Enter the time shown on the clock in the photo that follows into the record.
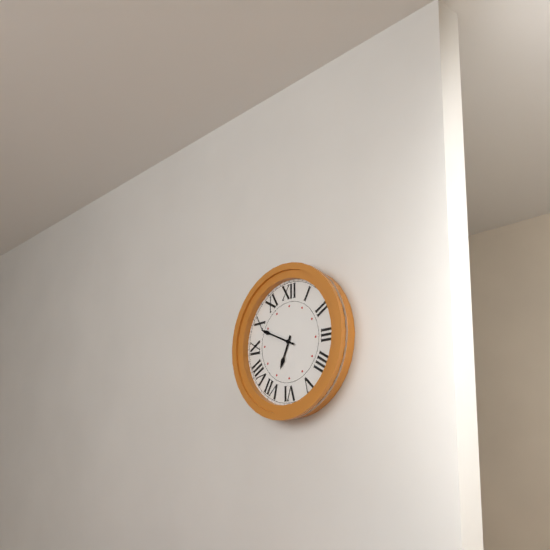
6:49
